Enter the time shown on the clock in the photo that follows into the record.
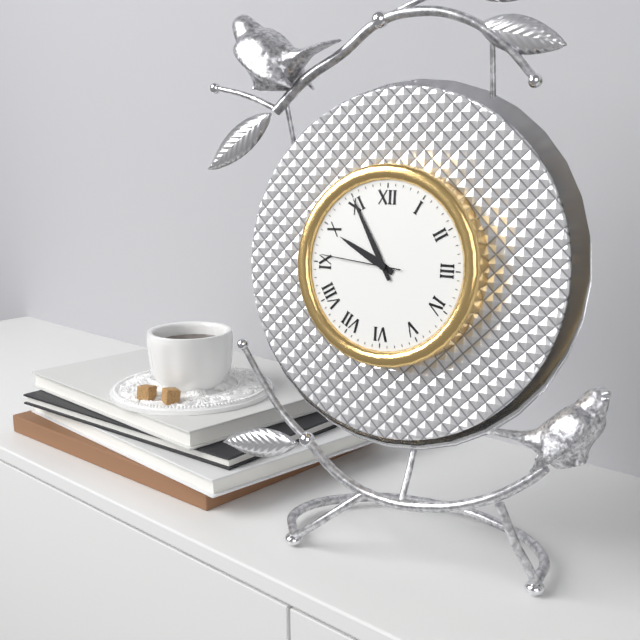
9:55:46
